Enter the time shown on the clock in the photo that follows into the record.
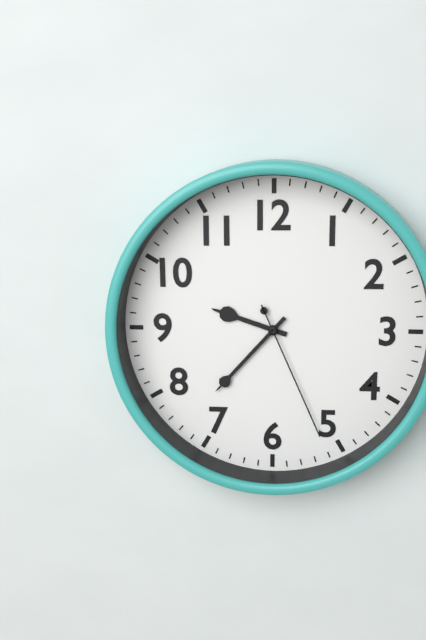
9:37:26
